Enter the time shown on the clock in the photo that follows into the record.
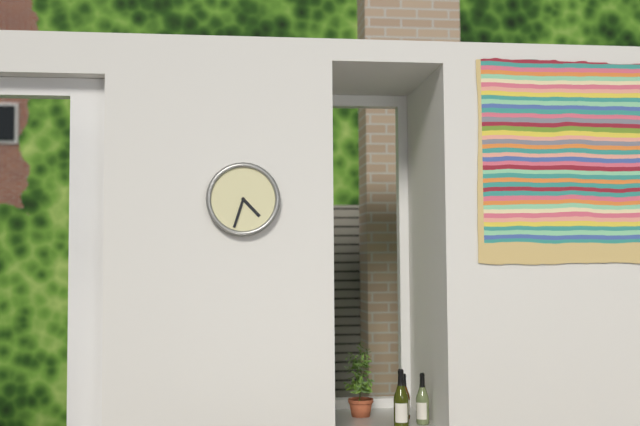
4:33
